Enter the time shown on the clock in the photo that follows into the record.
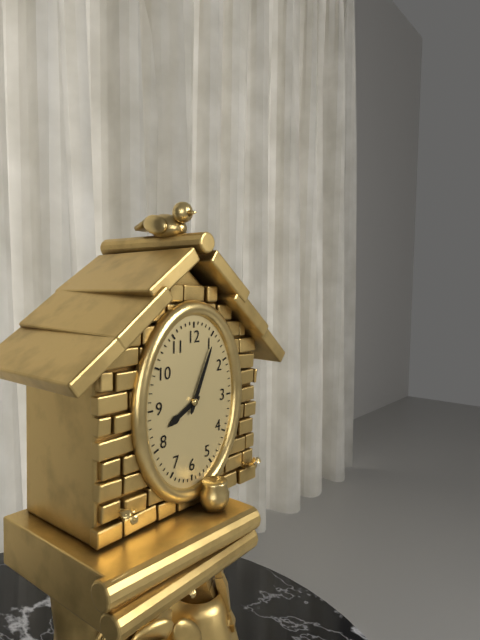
8:04
